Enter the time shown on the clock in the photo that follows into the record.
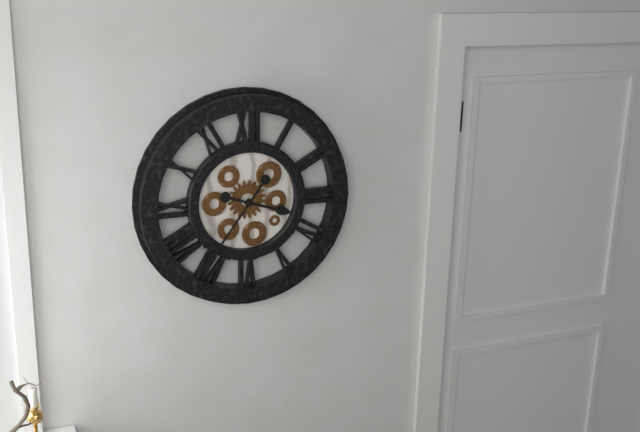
3:36
